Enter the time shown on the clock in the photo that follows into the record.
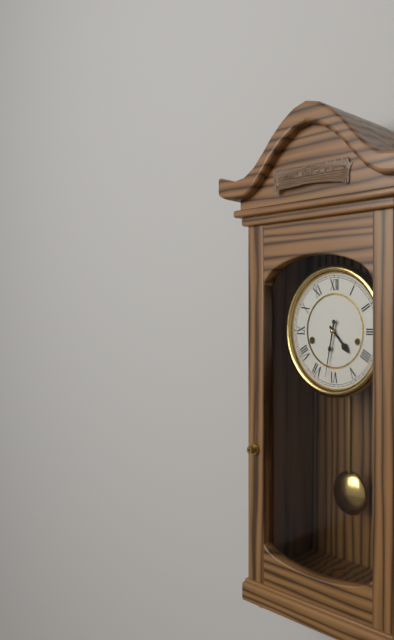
4:32
